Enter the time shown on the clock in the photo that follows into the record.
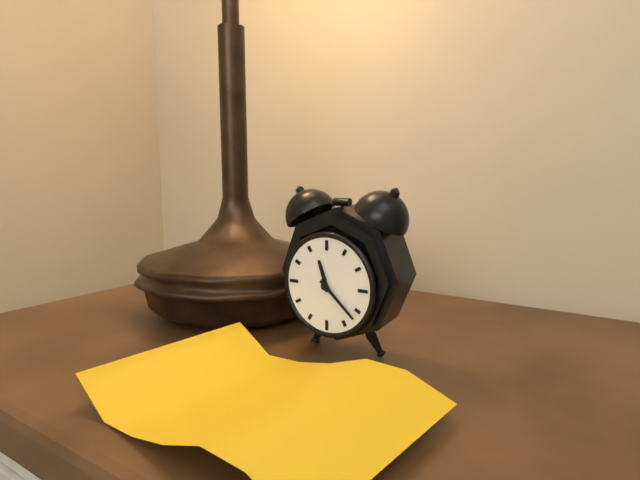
11:22
